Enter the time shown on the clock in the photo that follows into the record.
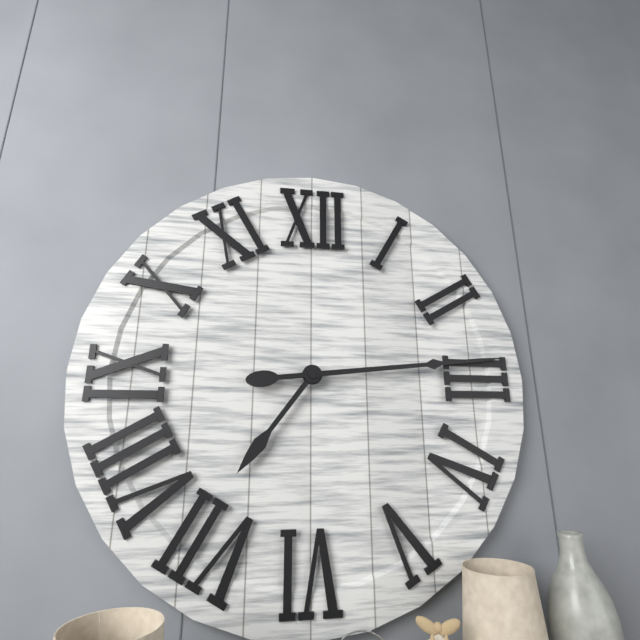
7:14
